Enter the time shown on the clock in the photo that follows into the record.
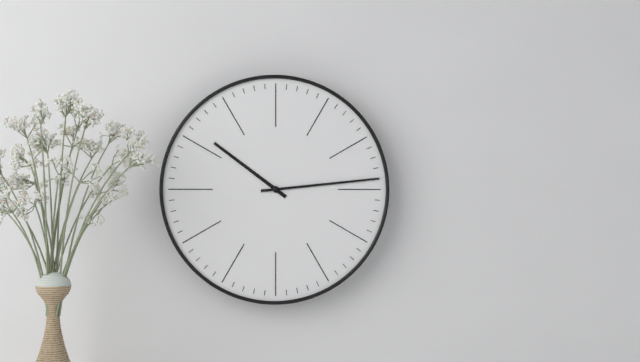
10:14
